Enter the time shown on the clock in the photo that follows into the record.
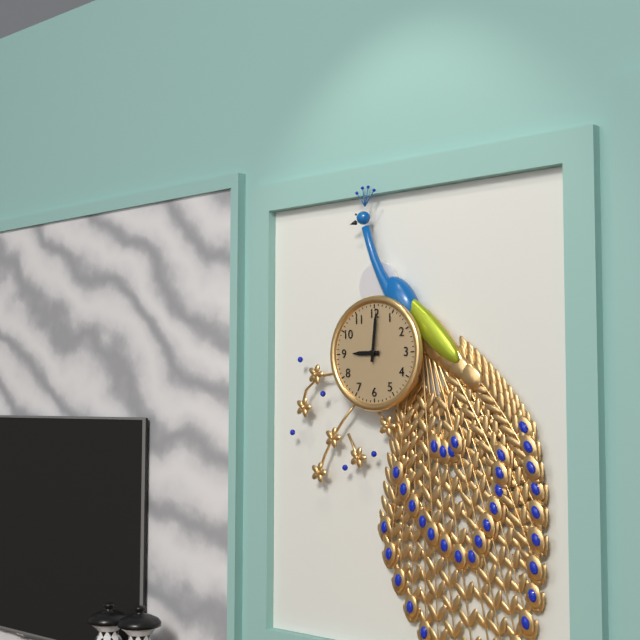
9:01
